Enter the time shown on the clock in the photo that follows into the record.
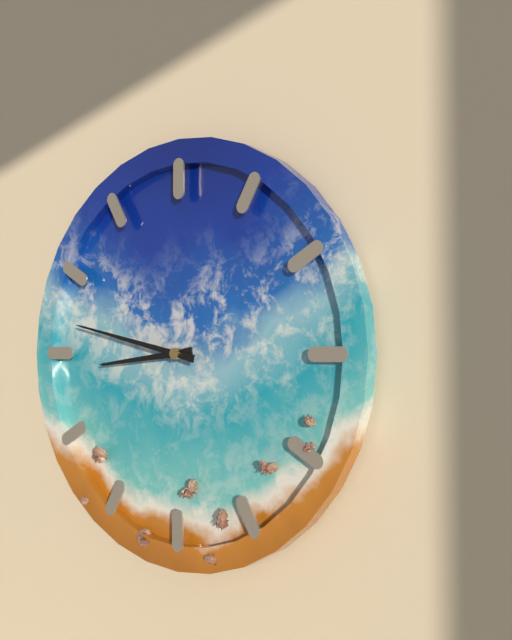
8:47
